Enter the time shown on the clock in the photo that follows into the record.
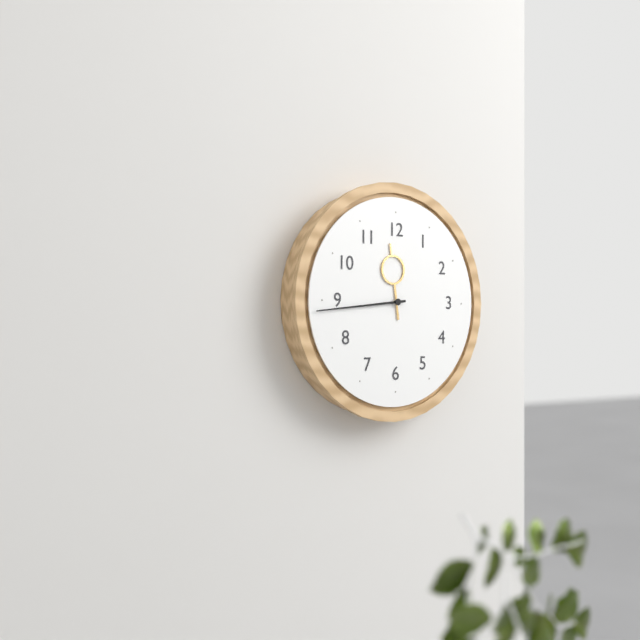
11:44
